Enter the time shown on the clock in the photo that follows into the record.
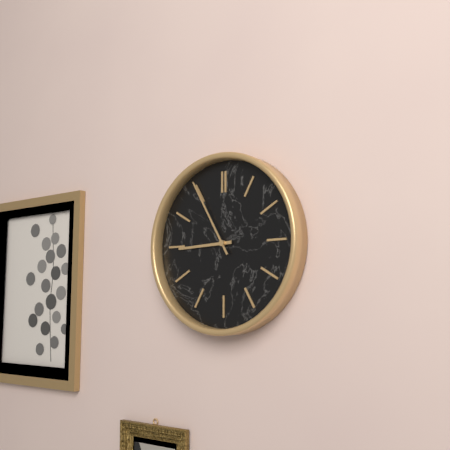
8:55
